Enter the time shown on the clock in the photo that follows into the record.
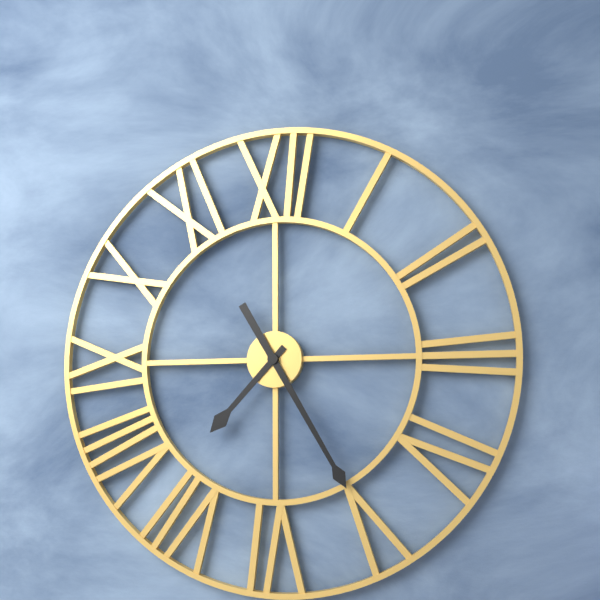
7:25
